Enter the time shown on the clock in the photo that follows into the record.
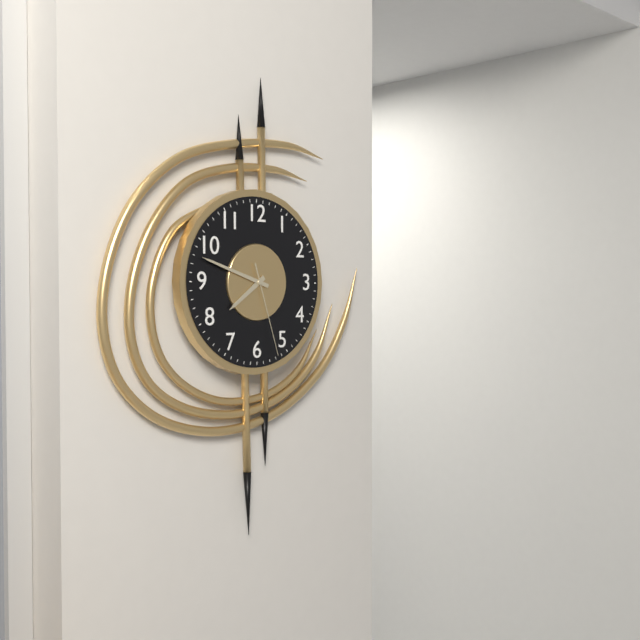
7:48:27
